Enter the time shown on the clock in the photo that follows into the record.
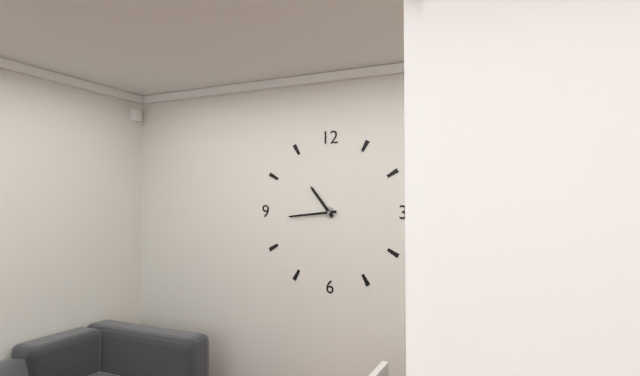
10:44
